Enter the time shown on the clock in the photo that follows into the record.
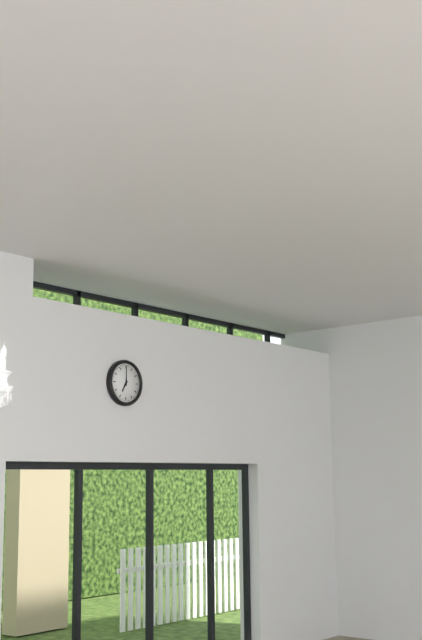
7:00
